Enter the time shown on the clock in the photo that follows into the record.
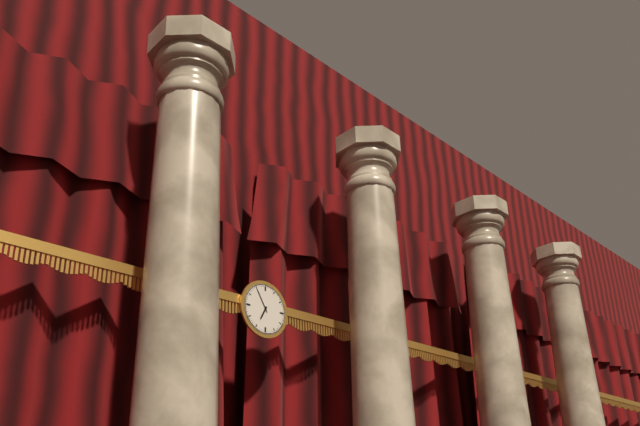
6:55
